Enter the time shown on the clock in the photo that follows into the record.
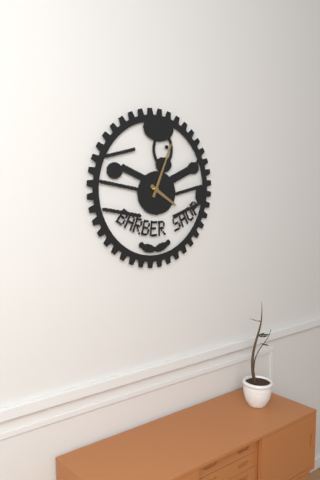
4:04
